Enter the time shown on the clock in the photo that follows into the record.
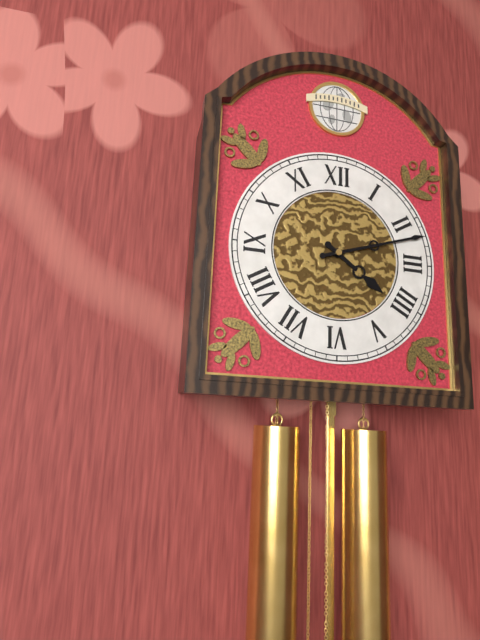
4:12
